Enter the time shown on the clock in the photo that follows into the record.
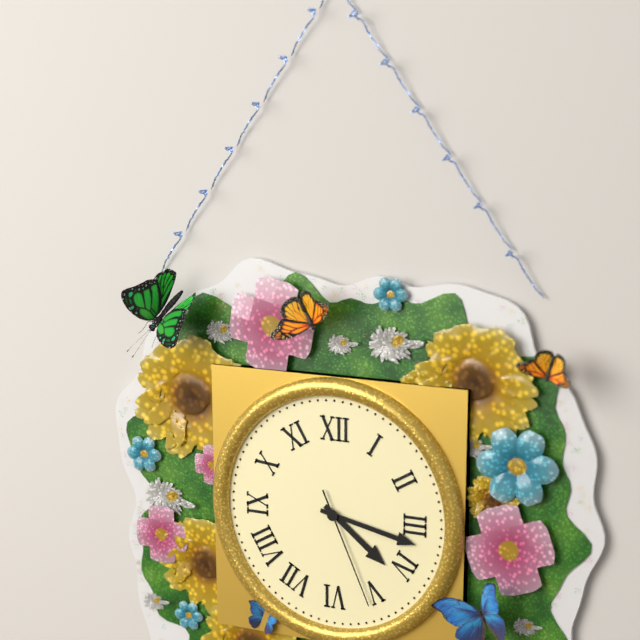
4:17:26
